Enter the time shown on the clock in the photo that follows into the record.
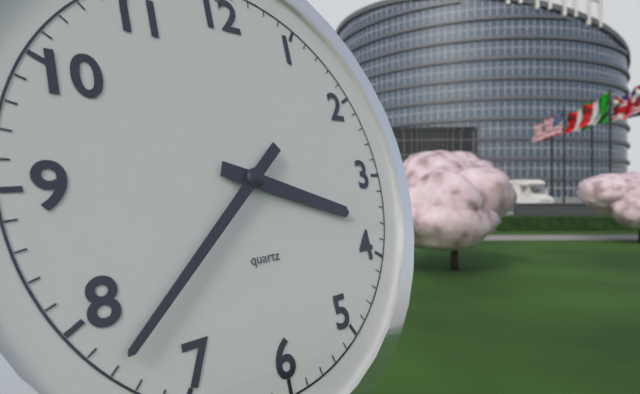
3:38
